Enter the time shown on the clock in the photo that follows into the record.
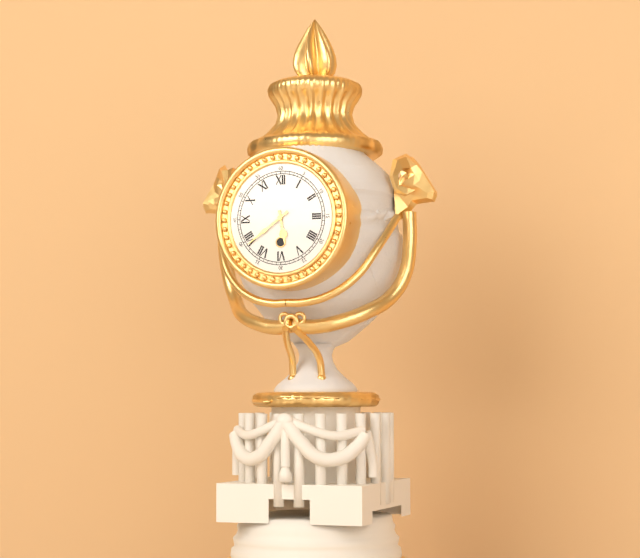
5:39
